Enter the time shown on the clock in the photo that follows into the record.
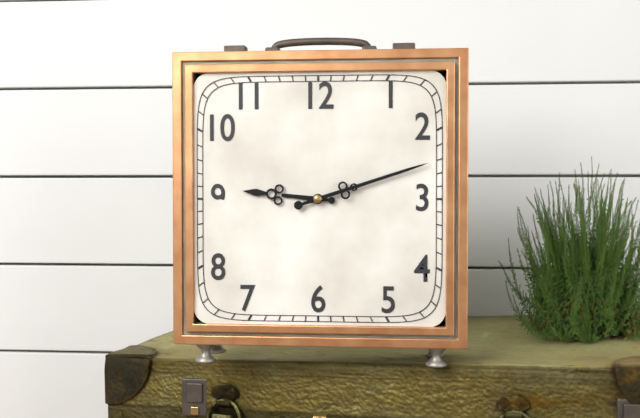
9:12
